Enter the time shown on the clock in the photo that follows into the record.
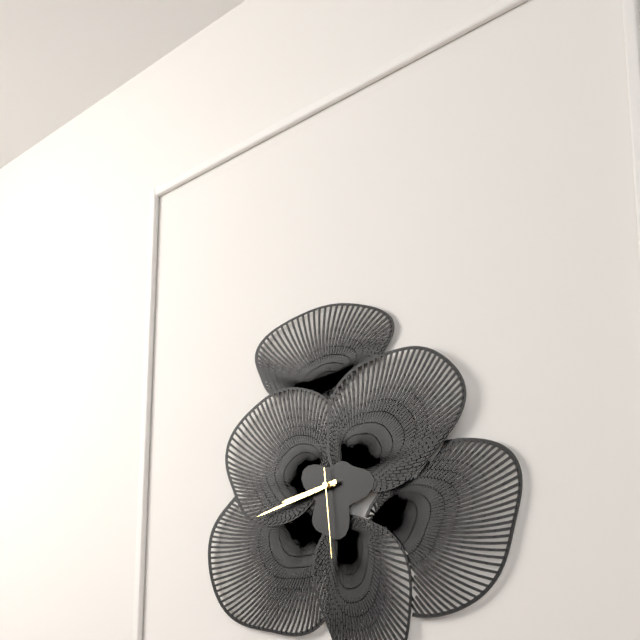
8:43:29
